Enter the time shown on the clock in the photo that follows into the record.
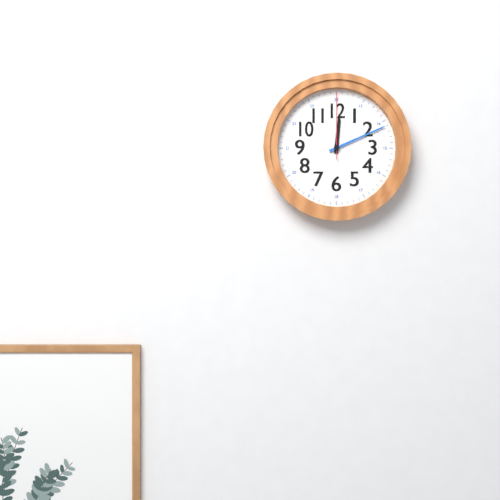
12:11:00
